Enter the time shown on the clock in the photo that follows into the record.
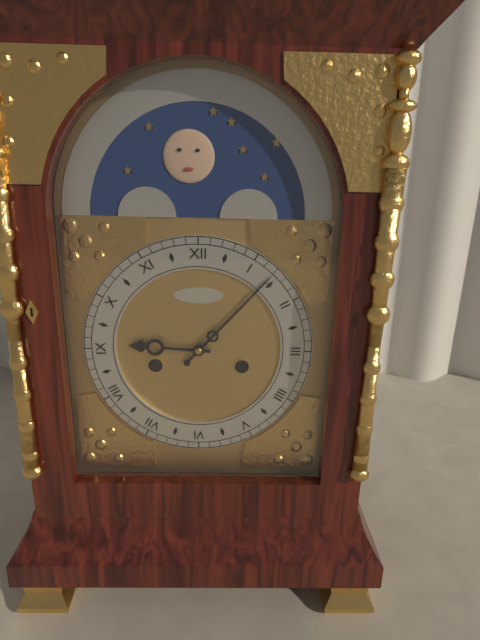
9:07
